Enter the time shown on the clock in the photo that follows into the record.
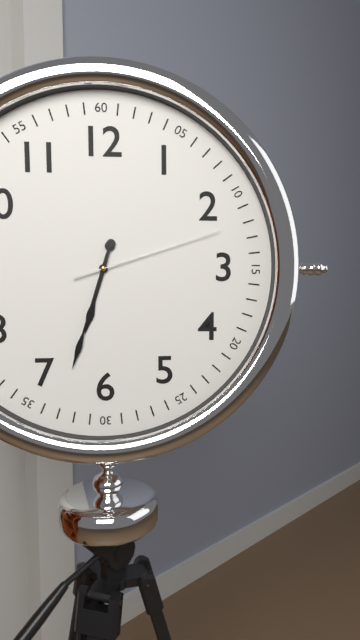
6:33:12
